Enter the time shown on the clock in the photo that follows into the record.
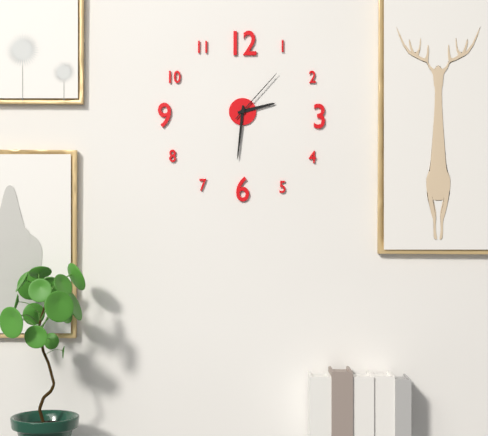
2:31:07
